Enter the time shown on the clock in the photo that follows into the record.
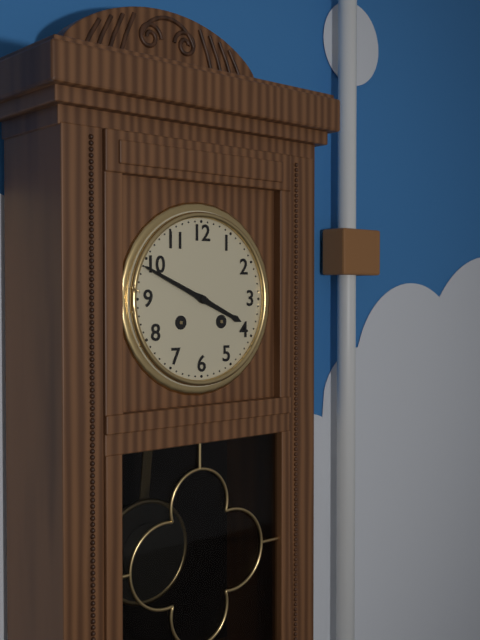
3:49
